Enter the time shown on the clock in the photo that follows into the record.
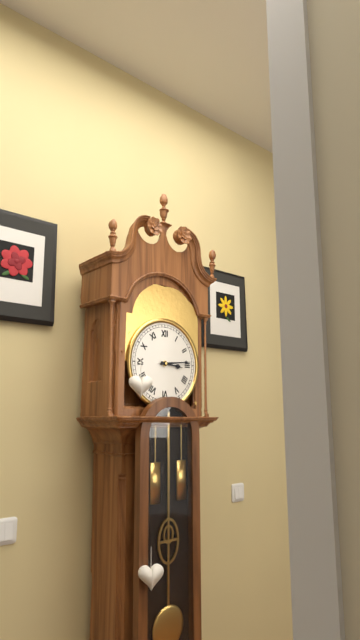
3:14
